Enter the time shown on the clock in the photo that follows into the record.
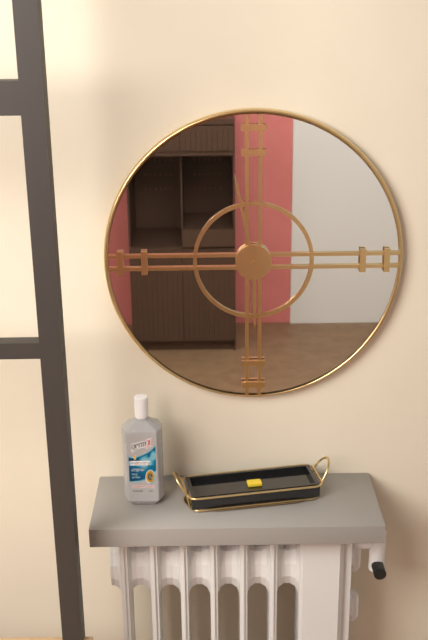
5:58
